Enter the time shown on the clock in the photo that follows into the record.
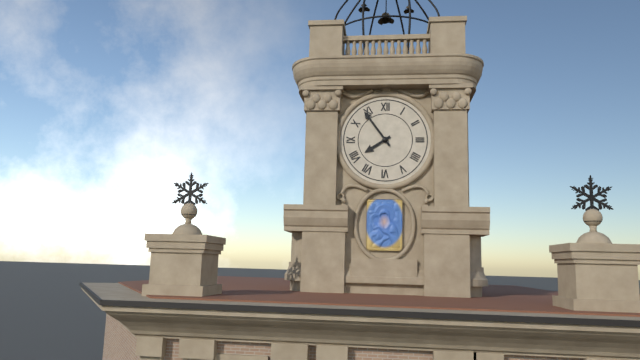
7:54
